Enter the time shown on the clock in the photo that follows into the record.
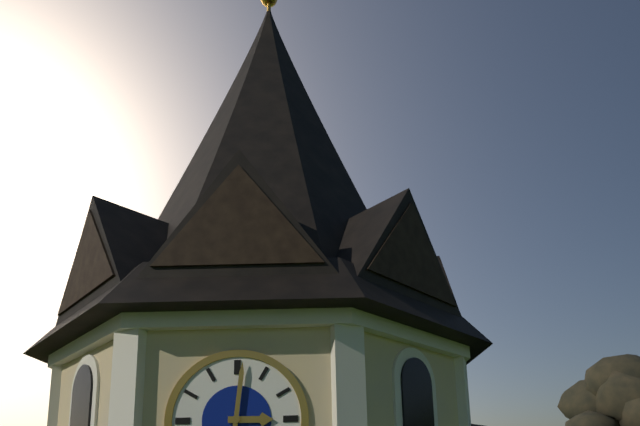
3:01
